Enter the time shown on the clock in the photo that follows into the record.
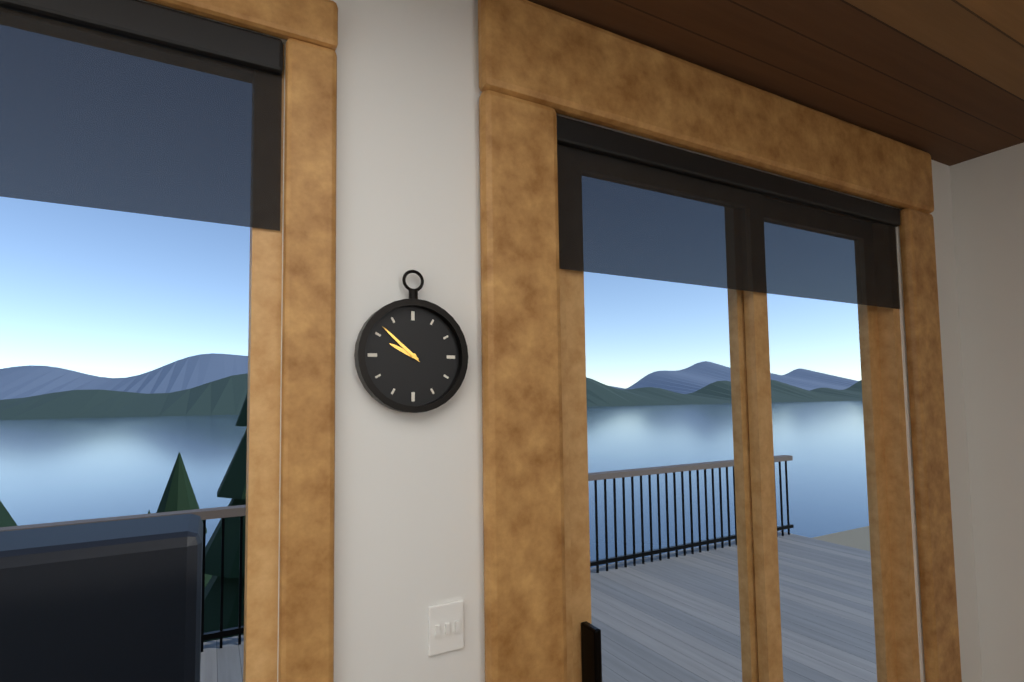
9:52
